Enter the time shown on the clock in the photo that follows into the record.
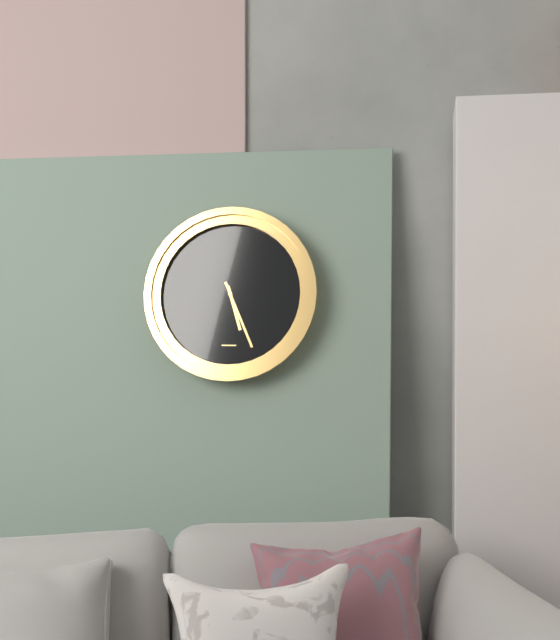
5:26
